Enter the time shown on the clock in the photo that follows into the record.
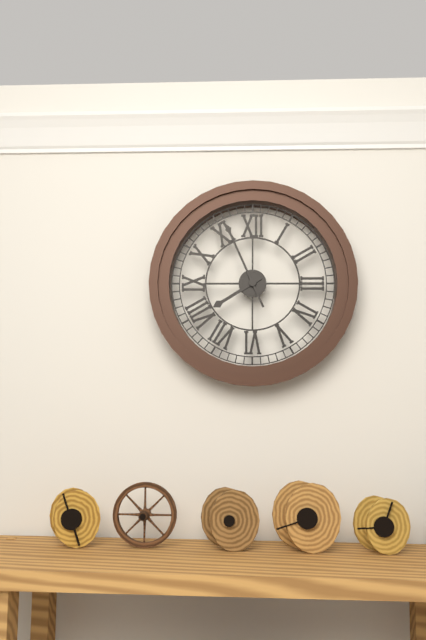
7:56
